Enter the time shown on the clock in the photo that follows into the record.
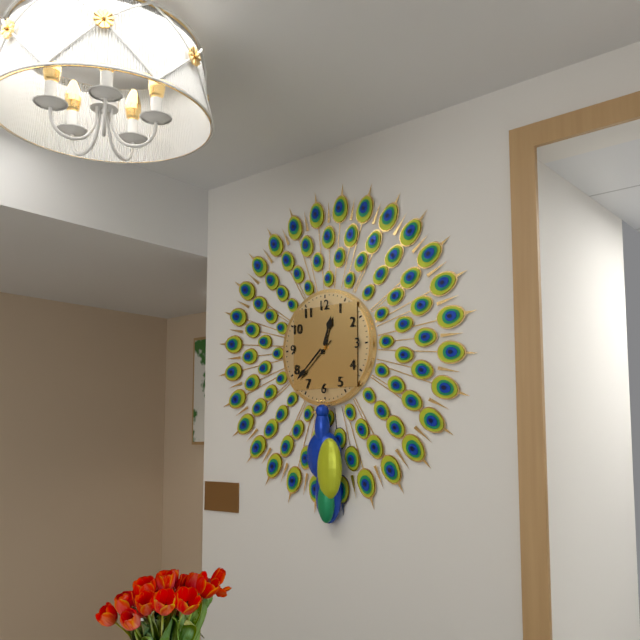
12:38
